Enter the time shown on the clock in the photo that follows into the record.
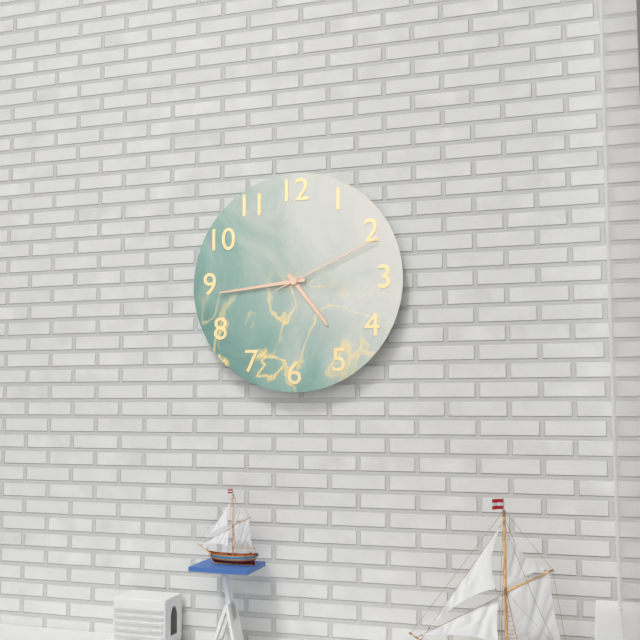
4:44:11
